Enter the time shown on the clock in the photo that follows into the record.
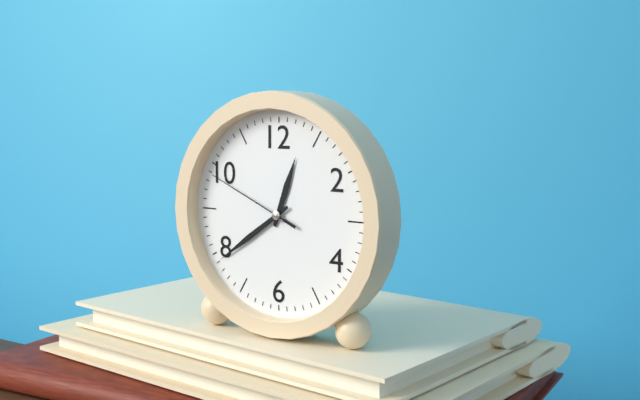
12:39:49
